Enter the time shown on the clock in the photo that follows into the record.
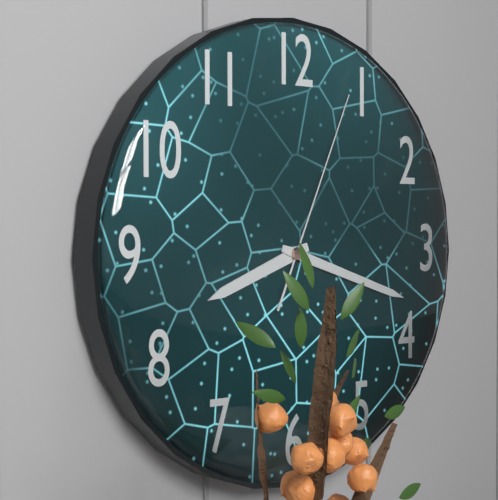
8:18:04
